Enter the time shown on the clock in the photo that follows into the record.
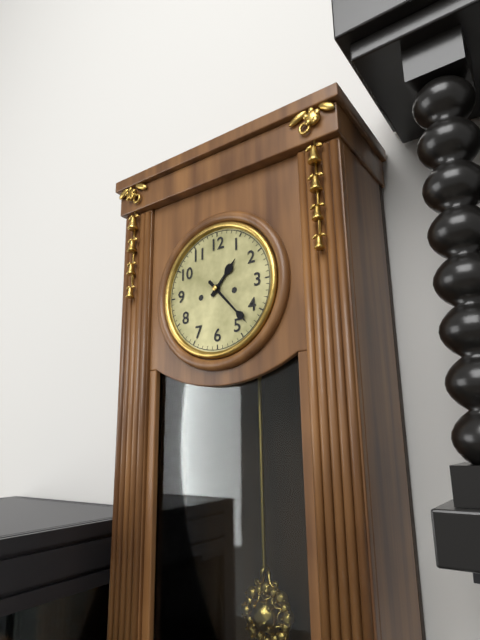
1:23
